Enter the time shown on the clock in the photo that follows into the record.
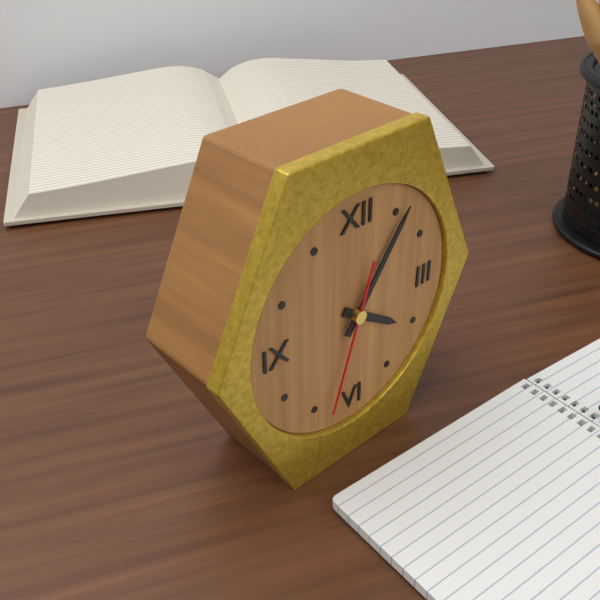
4:06:33
